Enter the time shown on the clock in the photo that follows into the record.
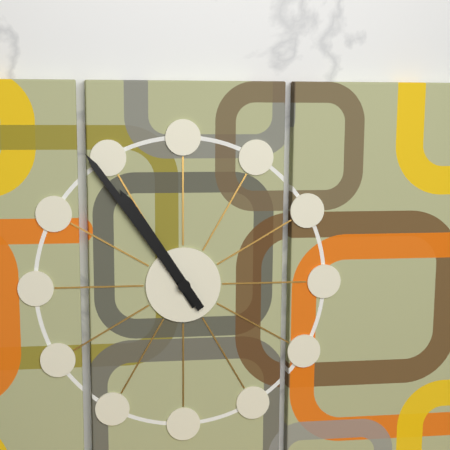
10:54
